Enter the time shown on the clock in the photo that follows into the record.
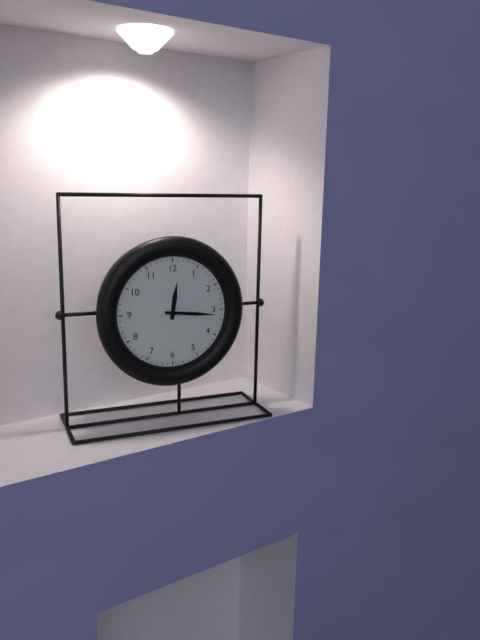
12:16
